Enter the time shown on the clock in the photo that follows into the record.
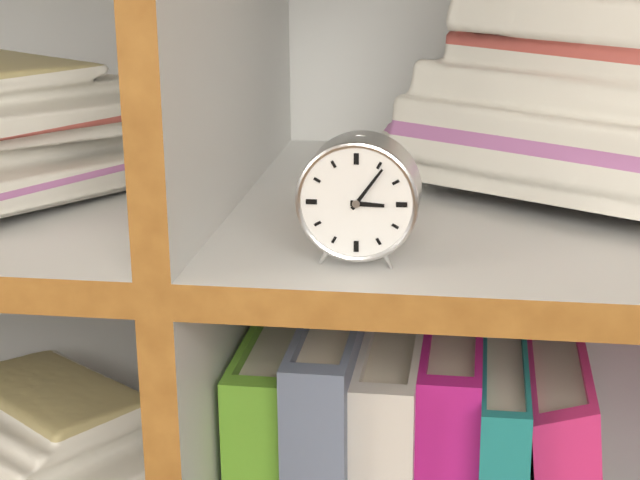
3:06
